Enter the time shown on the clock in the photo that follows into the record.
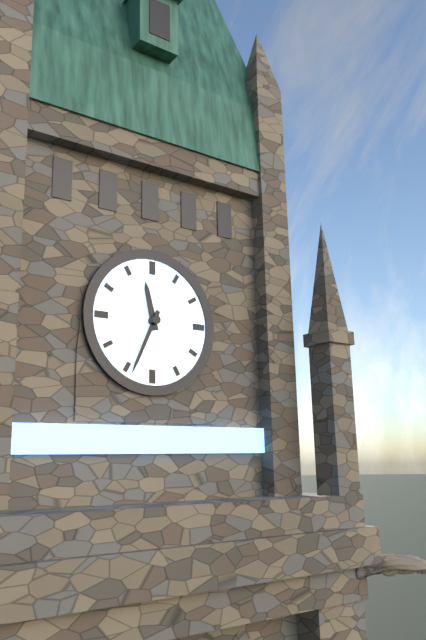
11:34
